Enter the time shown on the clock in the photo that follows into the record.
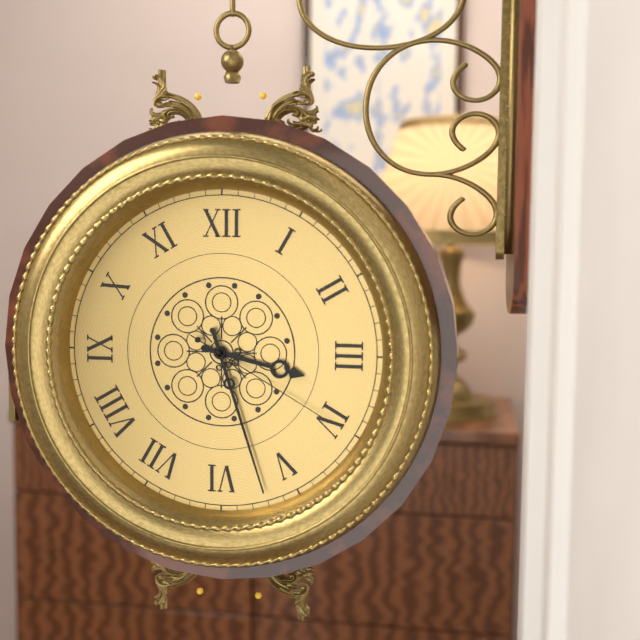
3:27:20
